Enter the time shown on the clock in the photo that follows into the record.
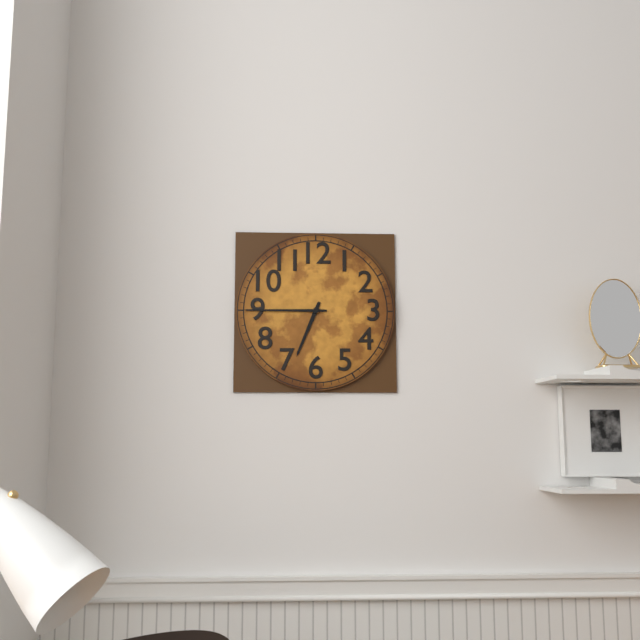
6:45
